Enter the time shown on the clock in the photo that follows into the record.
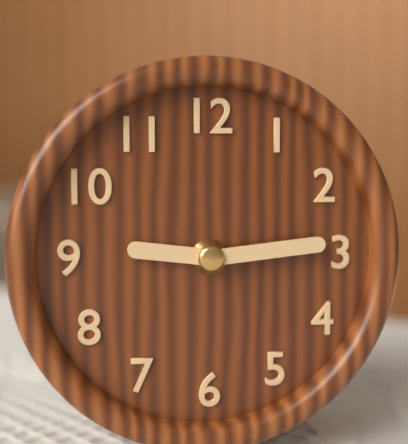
9:14
